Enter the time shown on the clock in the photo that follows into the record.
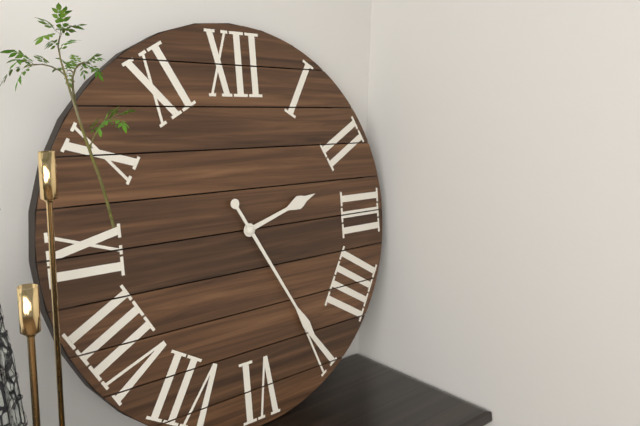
2:25
